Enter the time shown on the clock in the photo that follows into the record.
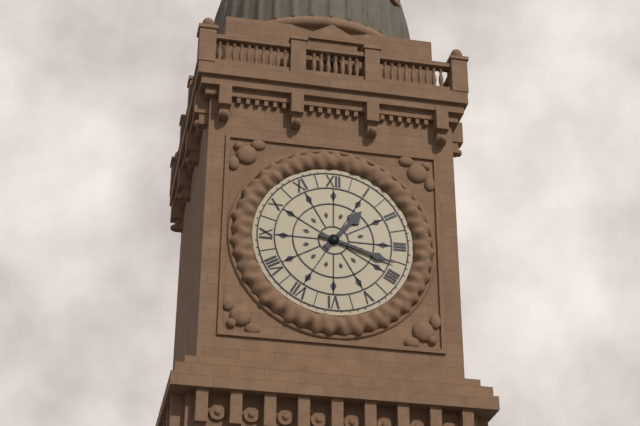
1:18
